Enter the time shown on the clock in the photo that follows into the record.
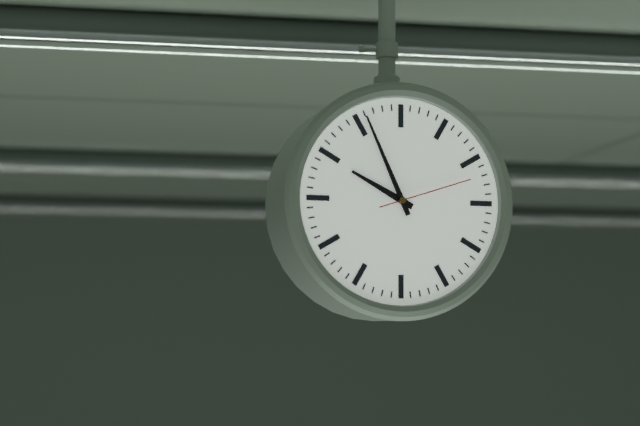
9:56:12
